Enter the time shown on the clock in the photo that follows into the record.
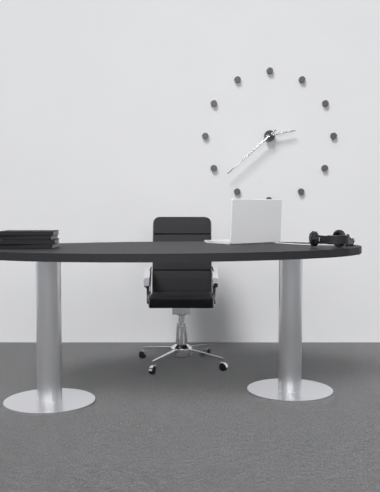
2:38
